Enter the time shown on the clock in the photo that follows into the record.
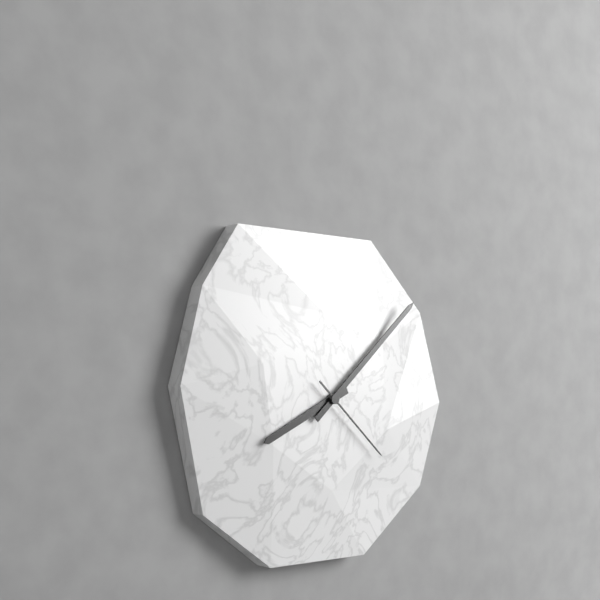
8:08:22
